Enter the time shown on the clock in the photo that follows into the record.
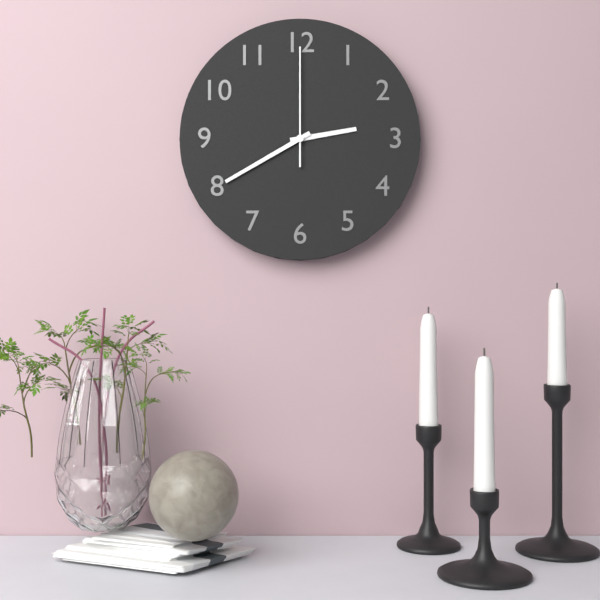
2:40:00
